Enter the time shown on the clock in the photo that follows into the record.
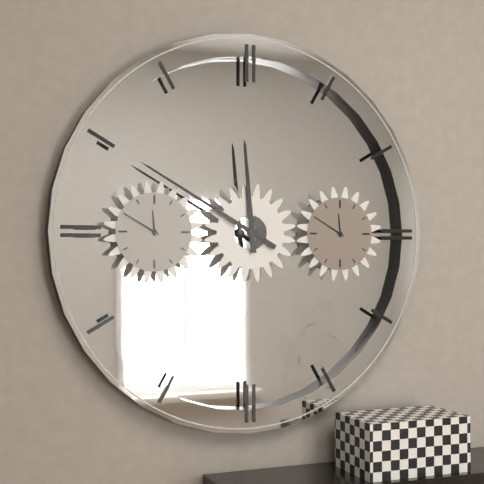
11:50
